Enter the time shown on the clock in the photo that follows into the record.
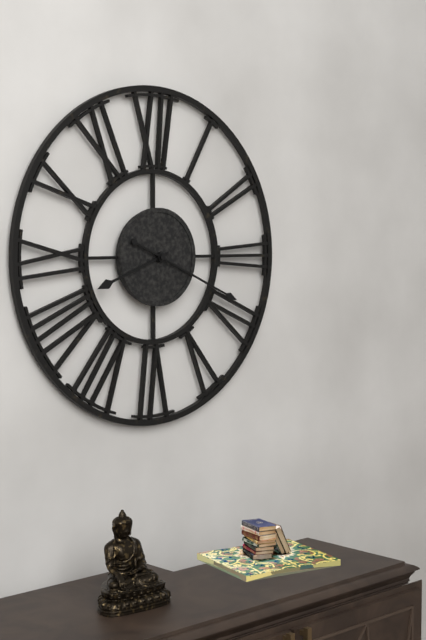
8:19
